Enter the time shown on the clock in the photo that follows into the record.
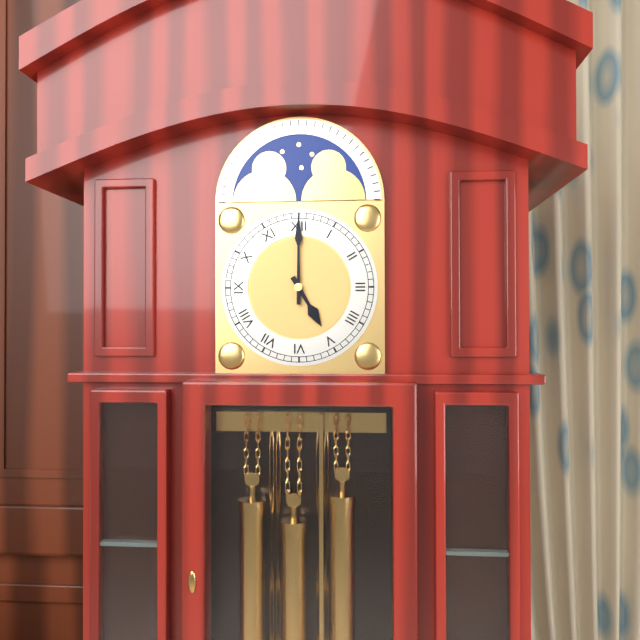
5:00
